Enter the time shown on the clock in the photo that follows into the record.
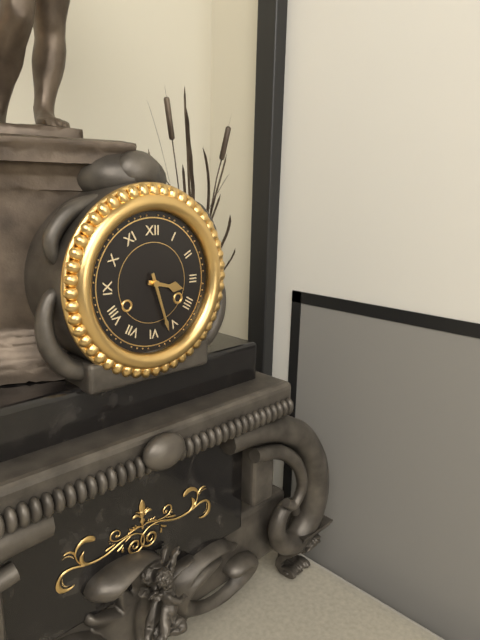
3:27
